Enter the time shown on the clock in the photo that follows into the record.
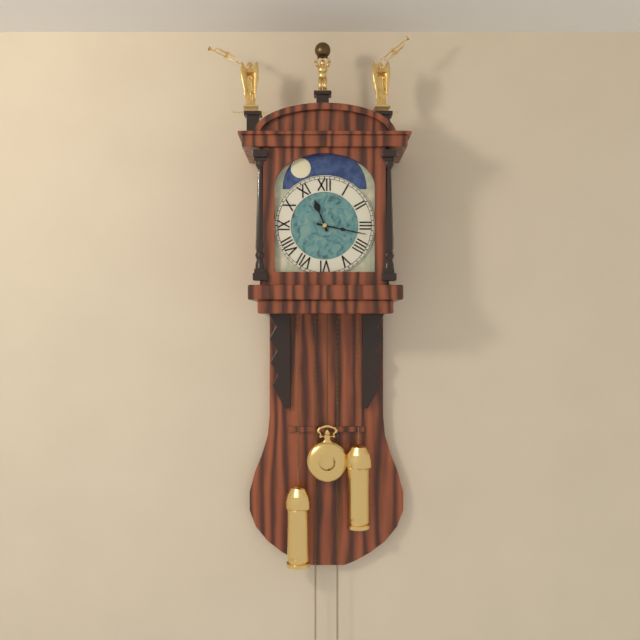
11:17
